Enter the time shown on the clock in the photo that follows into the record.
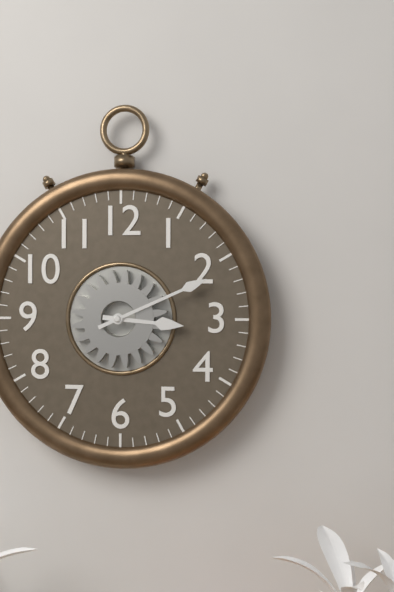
3:11
